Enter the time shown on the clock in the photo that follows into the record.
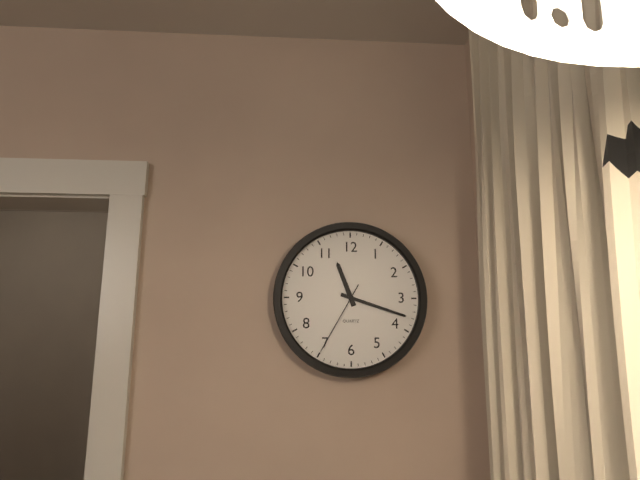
11:18:35
